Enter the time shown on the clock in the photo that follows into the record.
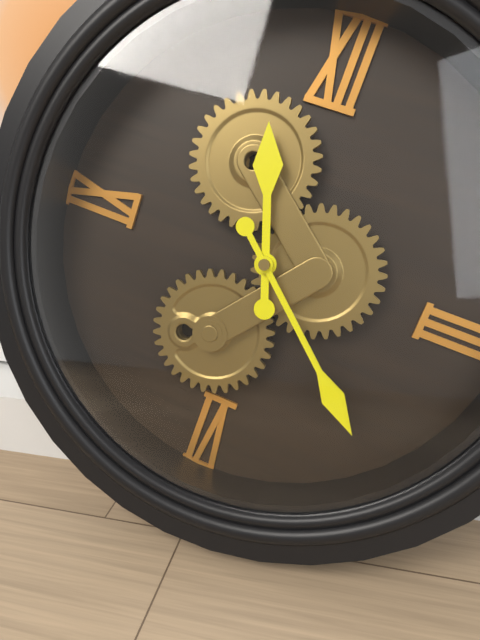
11:22
